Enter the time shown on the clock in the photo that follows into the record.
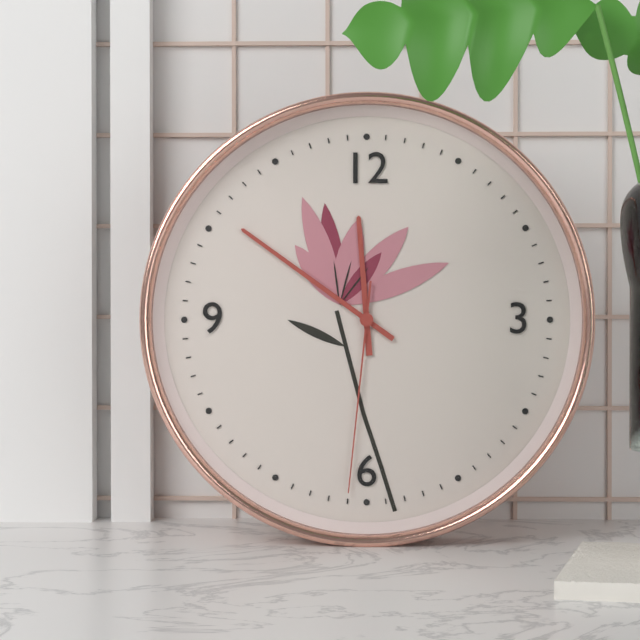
11:51:31
